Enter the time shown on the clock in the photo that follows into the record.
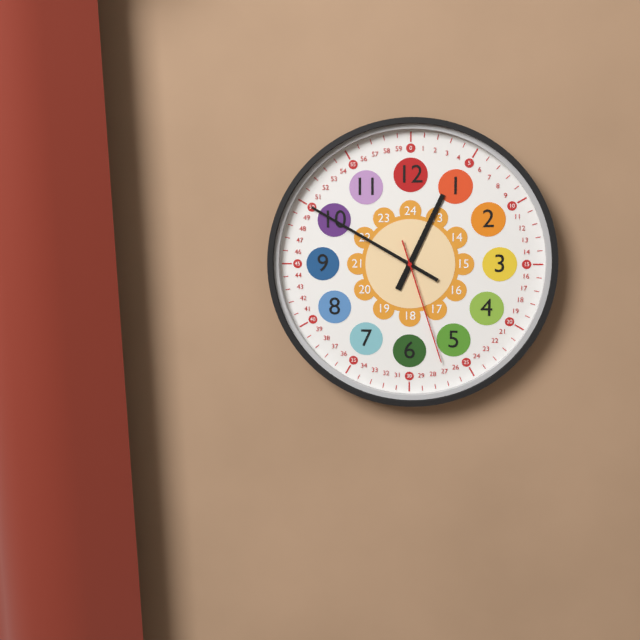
12:50:27
